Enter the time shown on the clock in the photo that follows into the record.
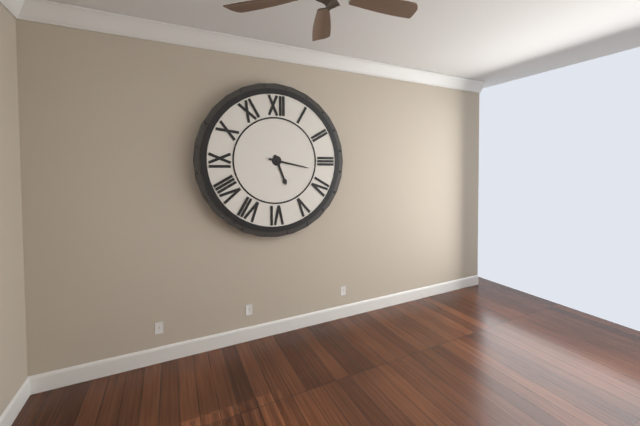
5:17
